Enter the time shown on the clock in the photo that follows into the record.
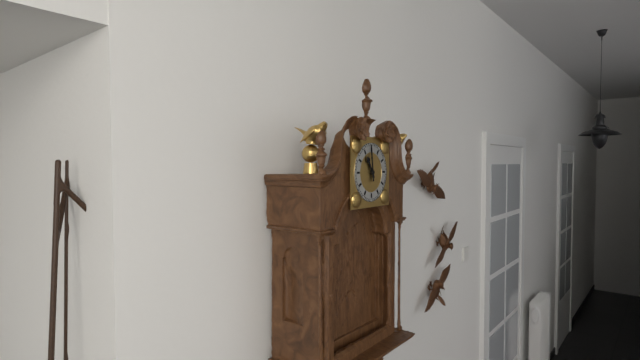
10:59
